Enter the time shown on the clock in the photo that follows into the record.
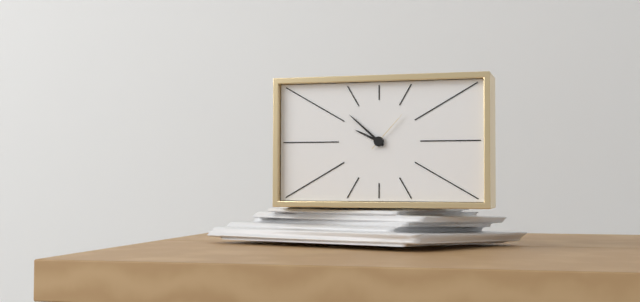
9:52
